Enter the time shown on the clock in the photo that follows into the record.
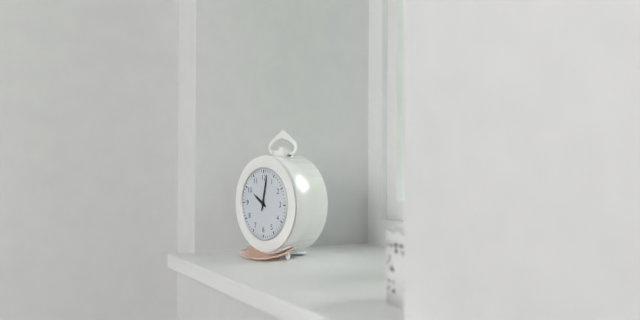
10:02
